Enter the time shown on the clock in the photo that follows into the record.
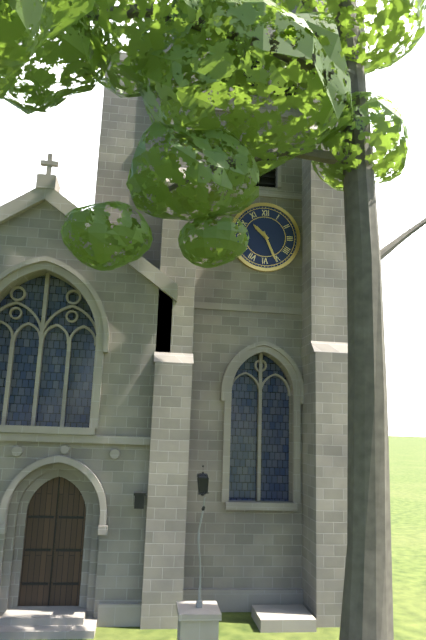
10:26
